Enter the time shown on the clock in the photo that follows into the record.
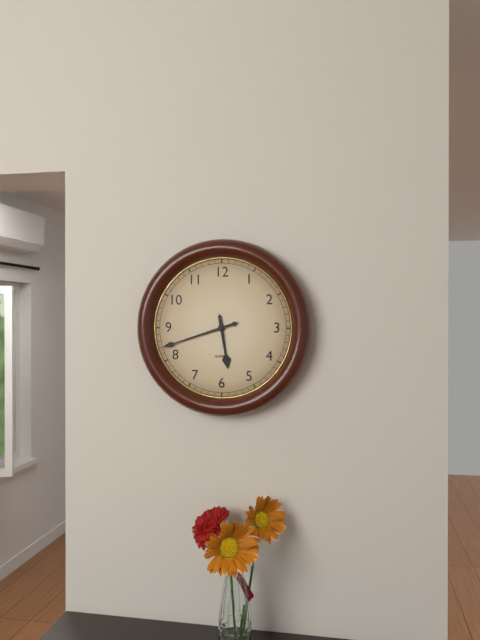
5:42
